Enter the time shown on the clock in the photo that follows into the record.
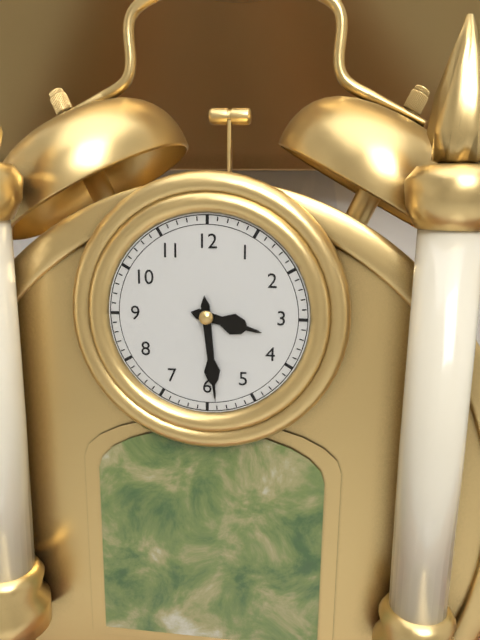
3:29
